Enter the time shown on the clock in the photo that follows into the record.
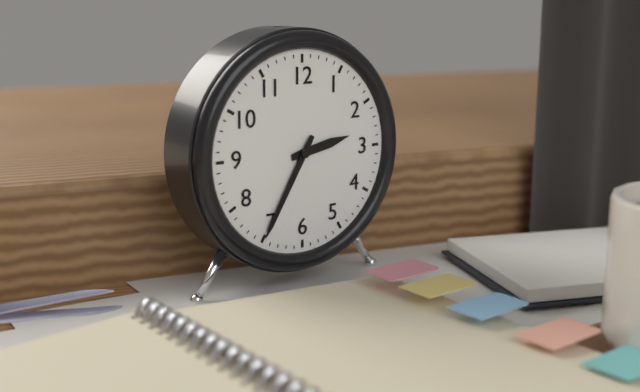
2:35
